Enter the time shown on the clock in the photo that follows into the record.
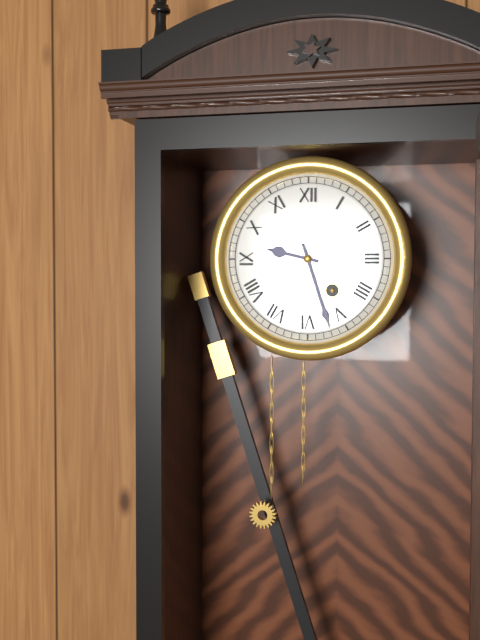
9:27
